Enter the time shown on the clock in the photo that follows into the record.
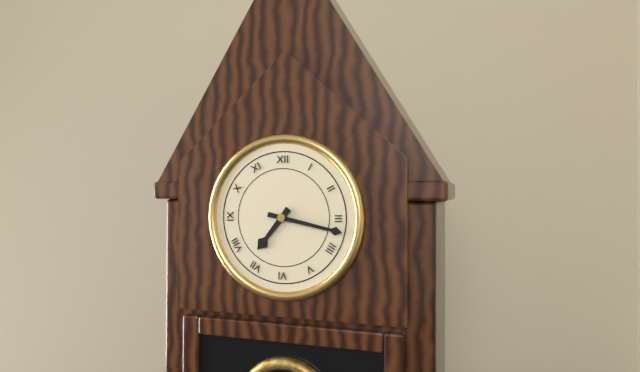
7:17
